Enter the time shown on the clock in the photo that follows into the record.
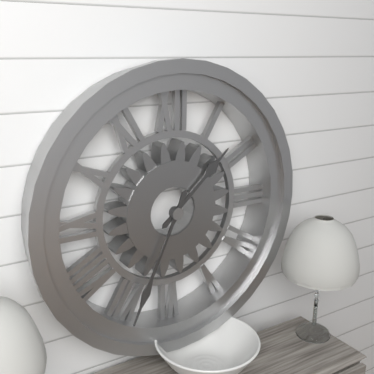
1:34
